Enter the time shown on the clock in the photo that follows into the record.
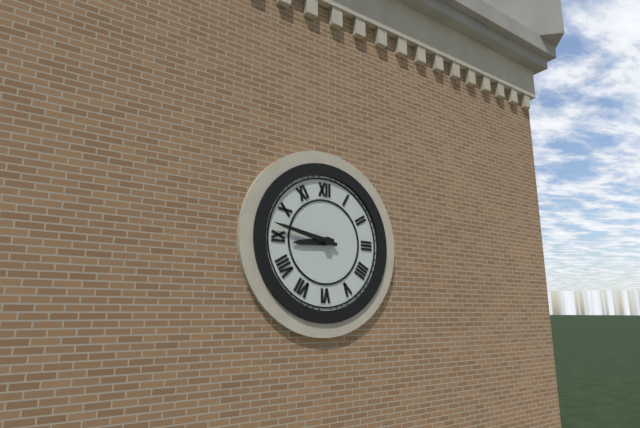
8:47
